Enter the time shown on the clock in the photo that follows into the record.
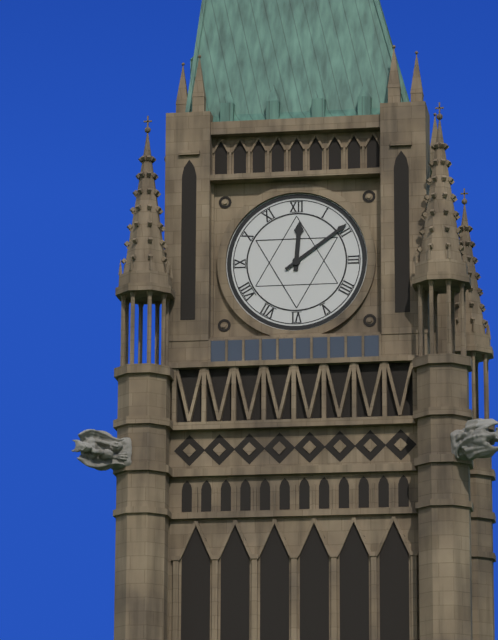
12:09
